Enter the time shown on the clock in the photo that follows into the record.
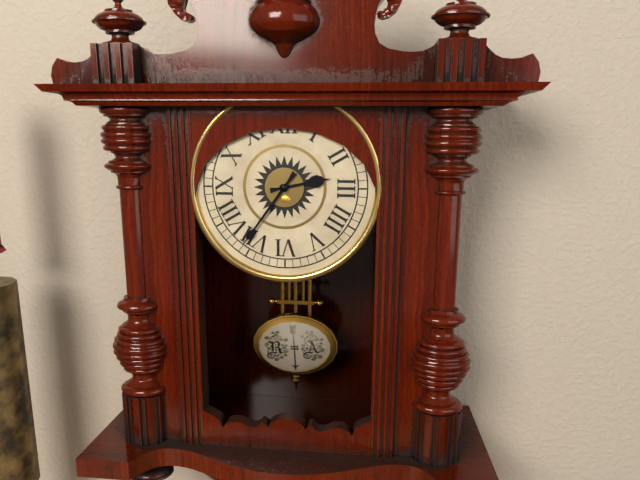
2:36
